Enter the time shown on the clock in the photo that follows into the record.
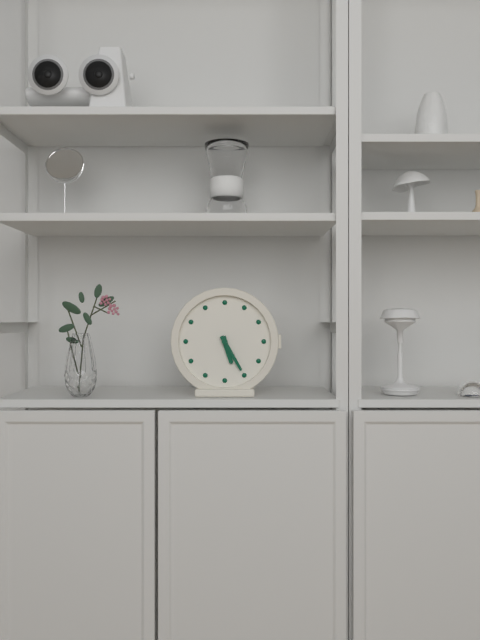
5:25
